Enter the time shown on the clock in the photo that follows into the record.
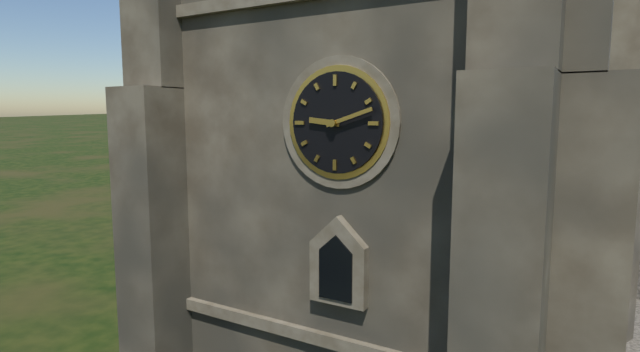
9:12
